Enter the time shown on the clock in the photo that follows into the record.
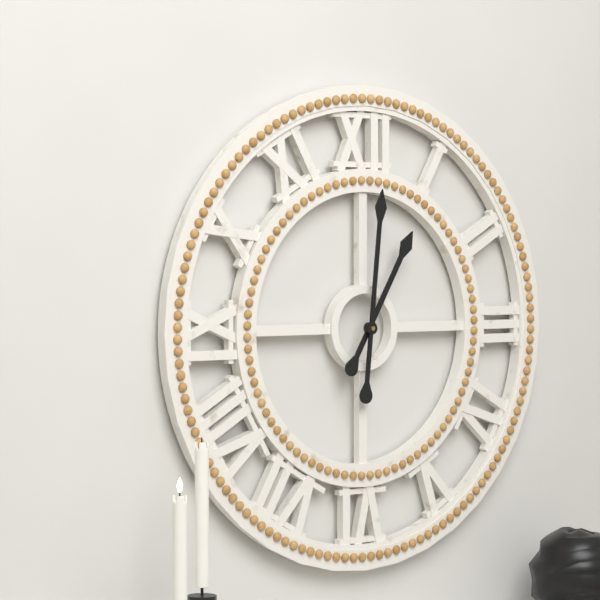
1:01
